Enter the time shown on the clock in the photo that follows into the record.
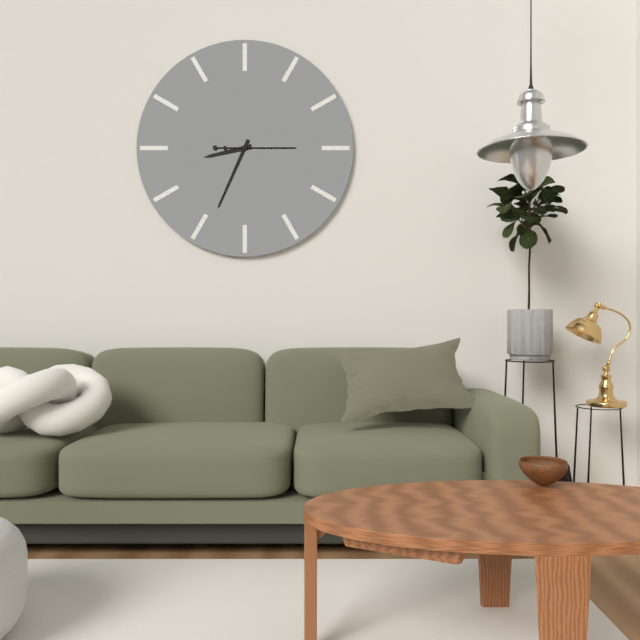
8:34:15
